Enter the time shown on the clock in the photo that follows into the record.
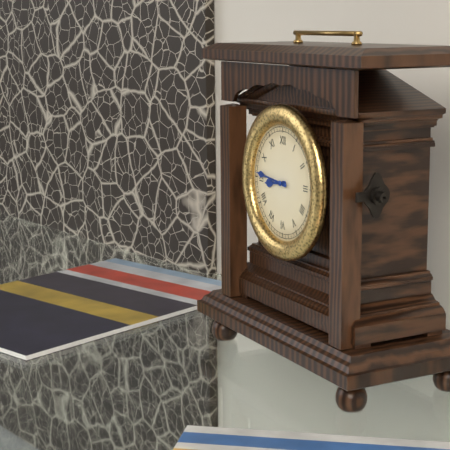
8:46
